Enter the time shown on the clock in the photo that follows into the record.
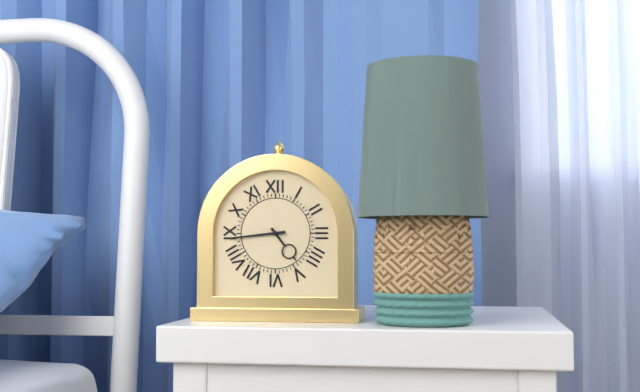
4:44
